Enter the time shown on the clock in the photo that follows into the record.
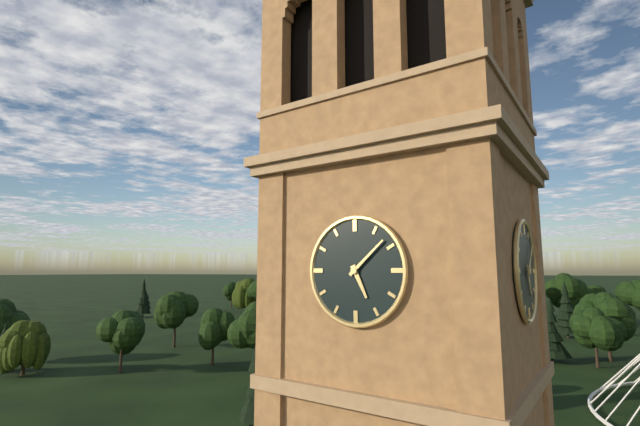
5:08
